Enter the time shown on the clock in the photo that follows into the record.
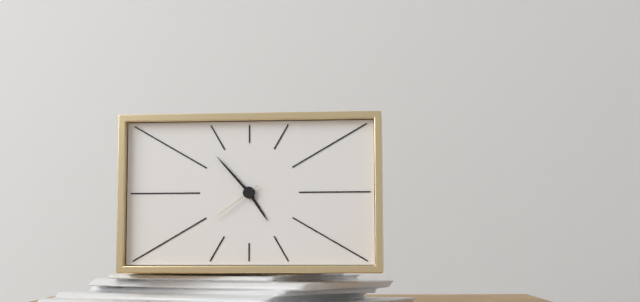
4:53:39
